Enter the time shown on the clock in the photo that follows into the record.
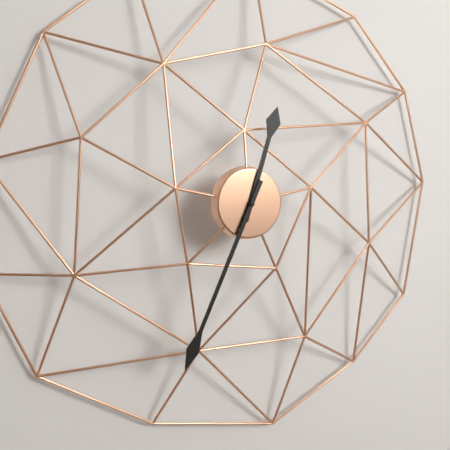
12:34
